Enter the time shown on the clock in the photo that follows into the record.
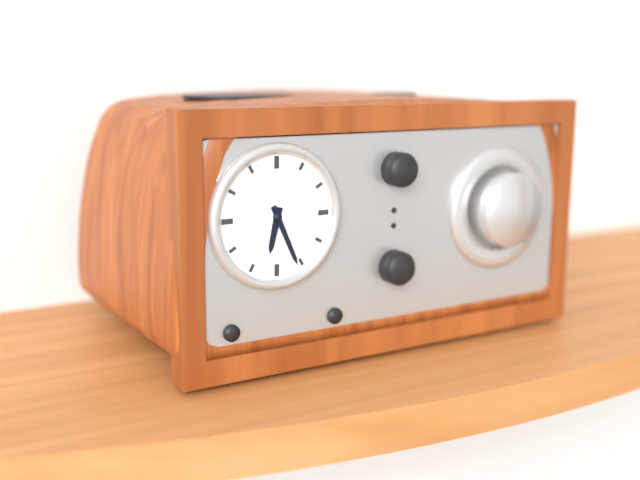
6:26
